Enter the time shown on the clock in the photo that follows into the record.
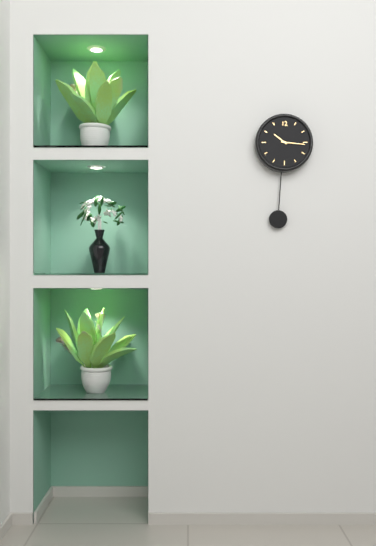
10:16
